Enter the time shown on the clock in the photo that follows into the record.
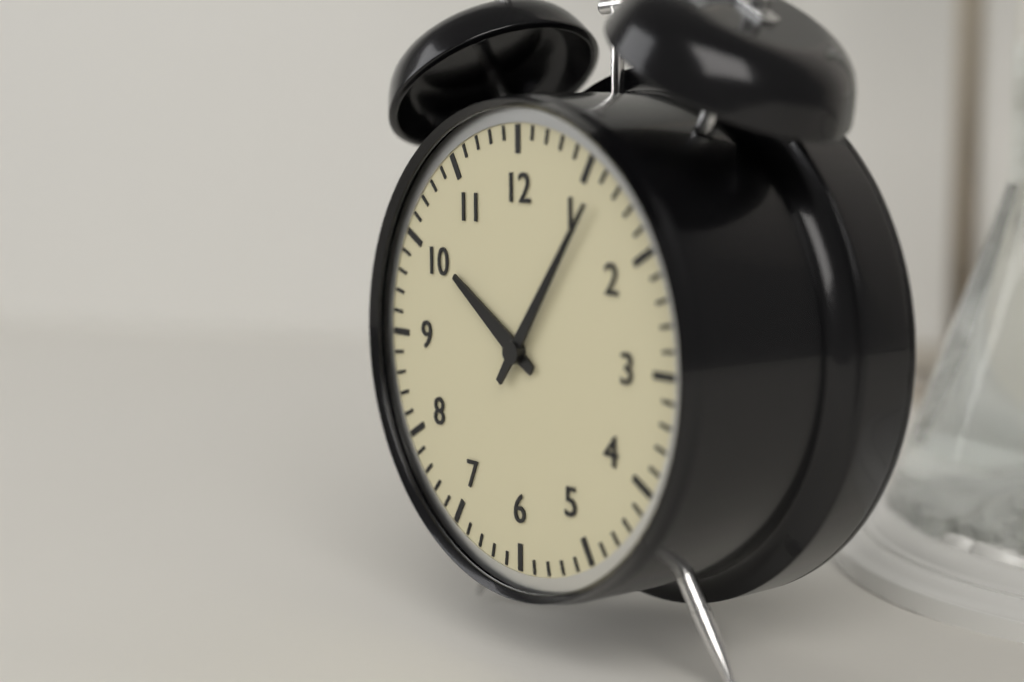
10:06
